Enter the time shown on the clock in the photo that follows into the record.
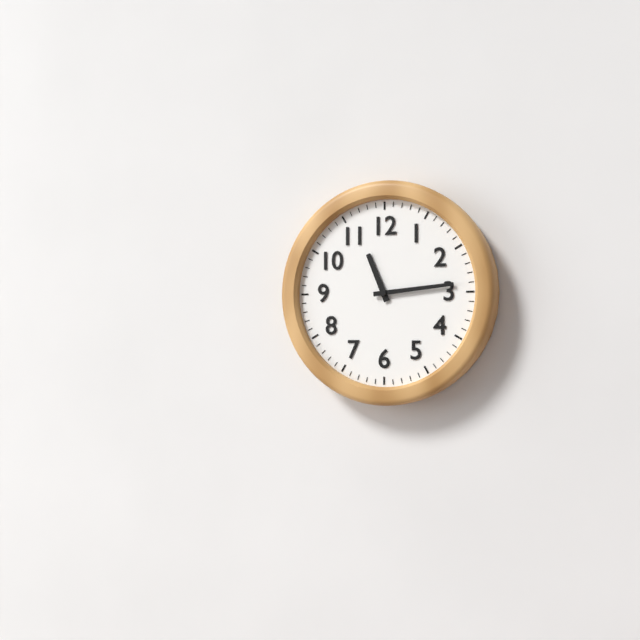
11:14
